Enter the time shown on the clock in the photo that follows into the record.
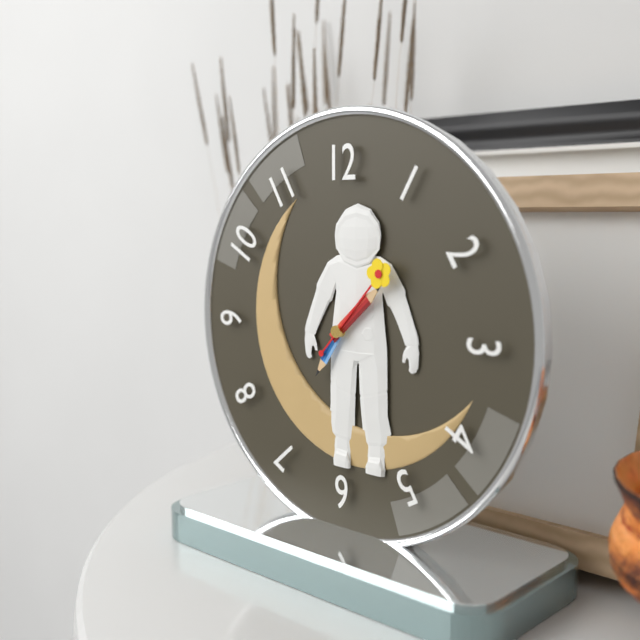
7:08:07
